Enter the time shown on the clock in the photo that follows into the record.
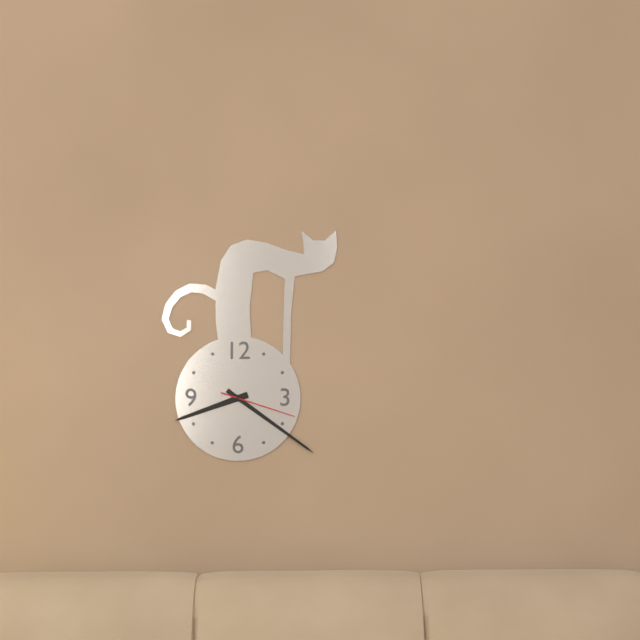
8:21:18
